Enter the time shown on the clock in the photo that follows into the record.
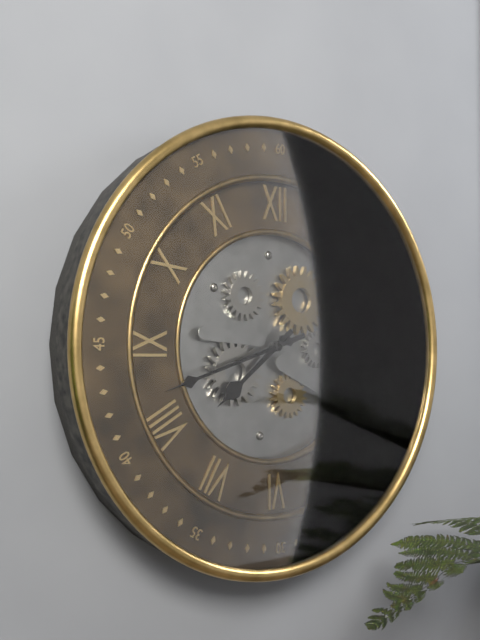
7:42
